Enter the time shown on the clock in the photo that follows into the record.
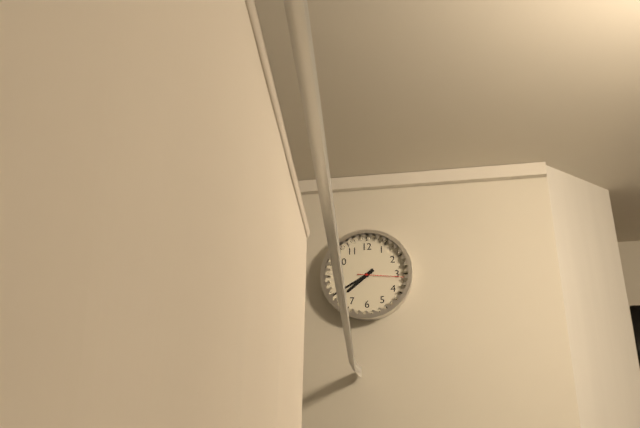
7:40
